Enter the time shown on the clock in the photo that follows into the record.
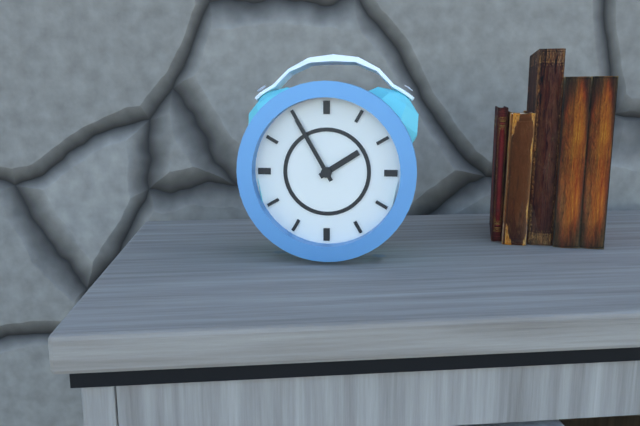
1:55
